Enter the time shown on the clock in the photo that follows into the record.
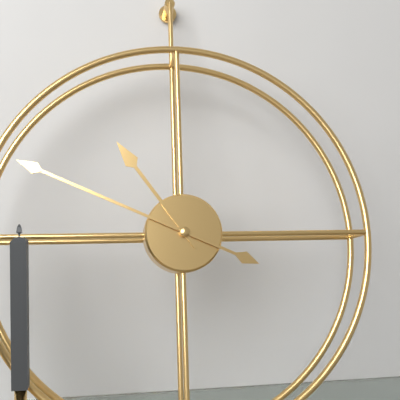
10:49
